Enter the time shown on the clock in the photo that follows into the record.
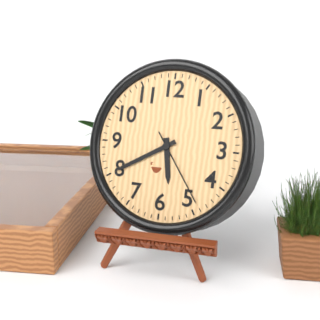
5:40:24
